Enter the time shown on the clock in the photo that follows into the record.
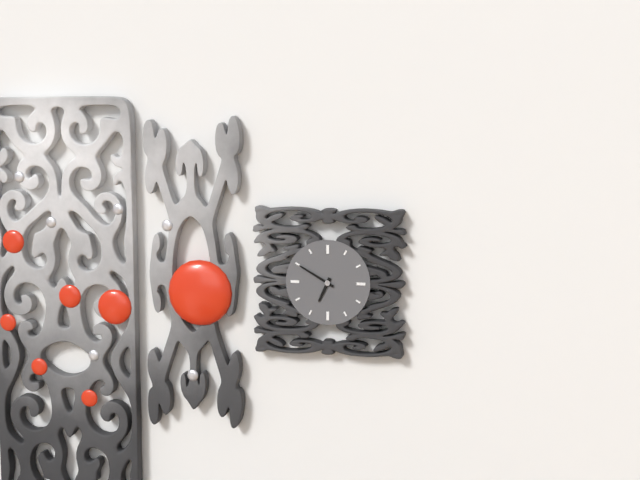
6:50
